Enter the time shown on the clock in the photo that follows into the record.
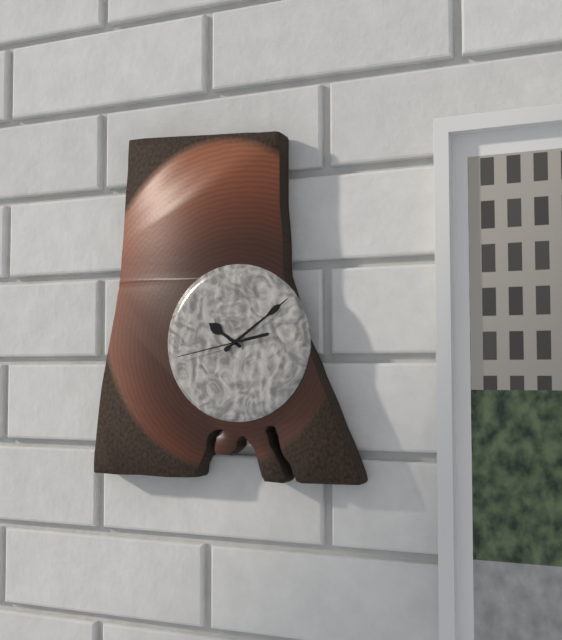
10:09:43
